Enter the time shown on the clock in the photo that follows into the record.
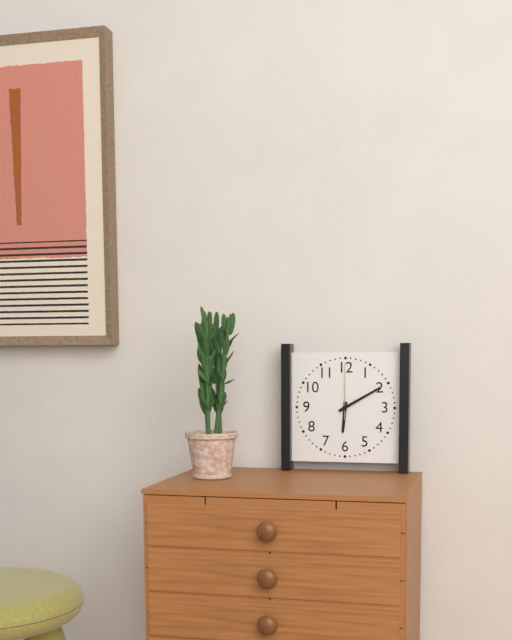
6:10:00
